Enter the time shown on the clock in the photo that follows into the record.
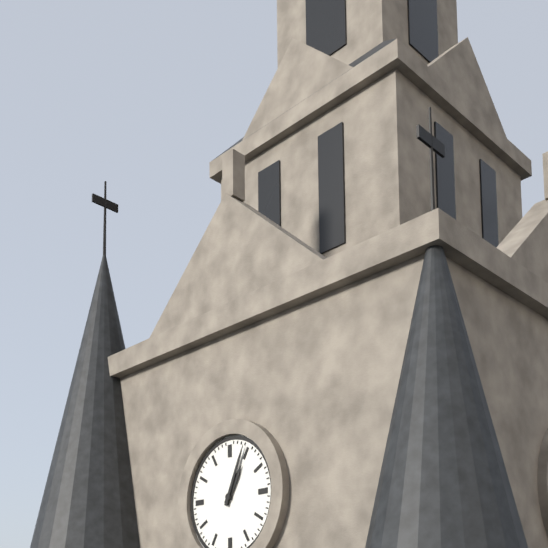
1:04
